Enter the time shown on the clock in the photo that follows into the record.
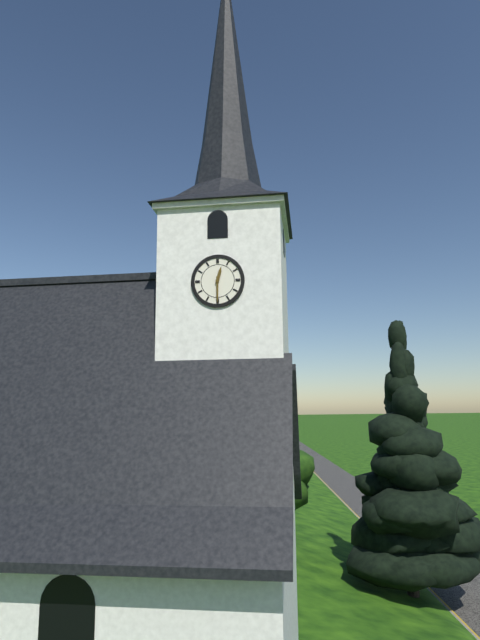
12:30
